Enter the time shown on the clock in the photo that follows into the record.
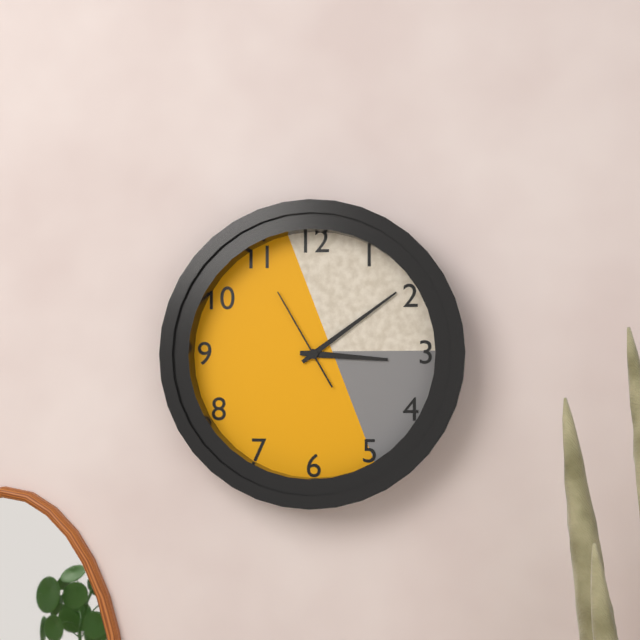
3:09:55
